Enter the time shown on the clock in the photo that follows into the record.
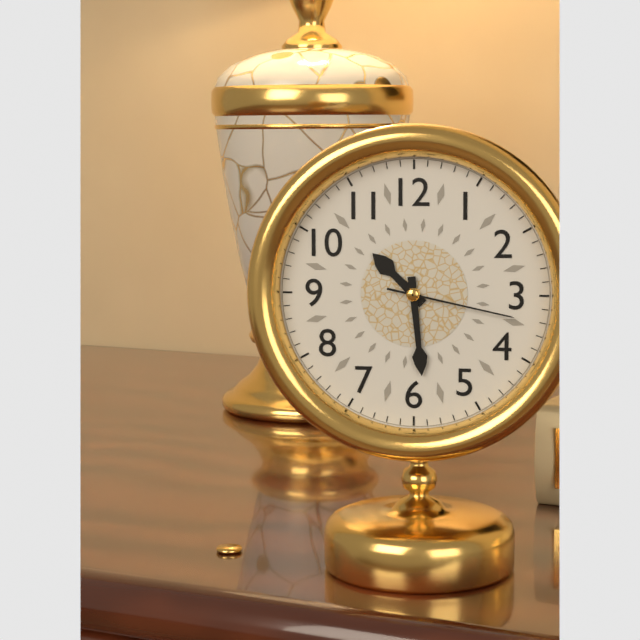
10:29:17
